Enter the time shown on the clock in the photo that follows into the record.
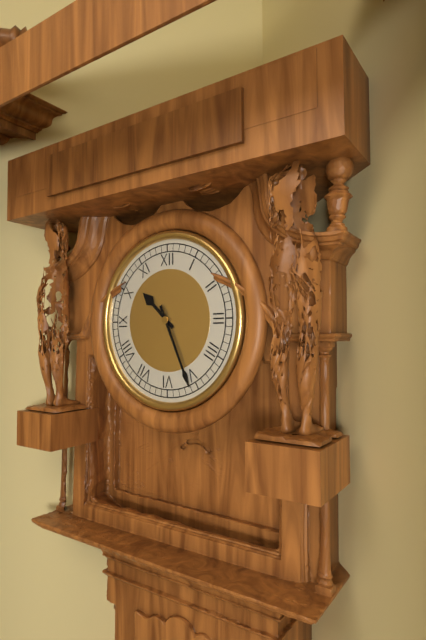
10:26
